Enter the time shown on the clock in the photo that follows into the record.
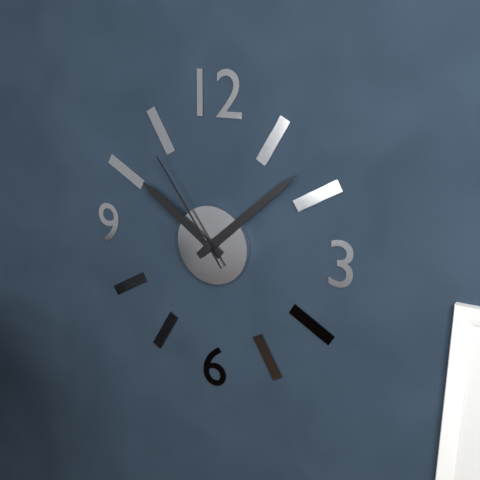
10:08:54
